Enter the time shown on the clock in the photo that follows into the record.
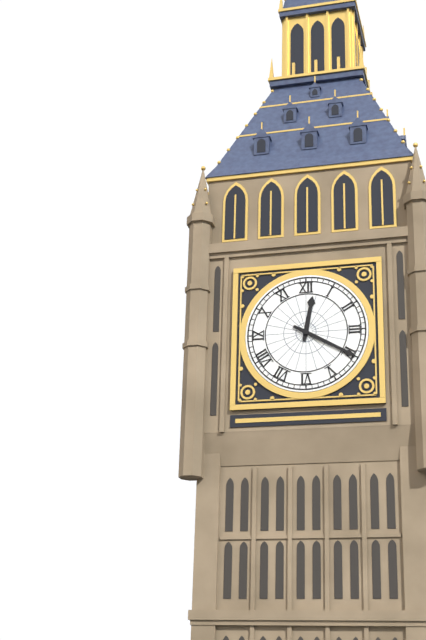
12:20
